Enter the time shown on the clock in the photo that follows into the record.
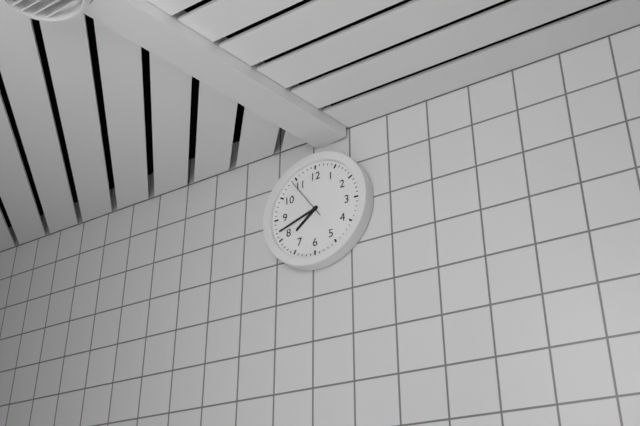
7:42
